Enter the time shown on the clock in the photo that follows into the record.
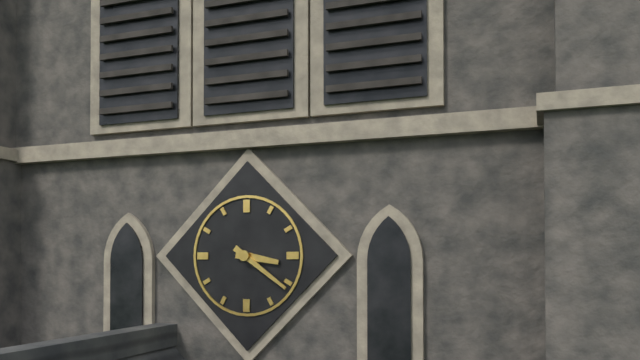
3:21
